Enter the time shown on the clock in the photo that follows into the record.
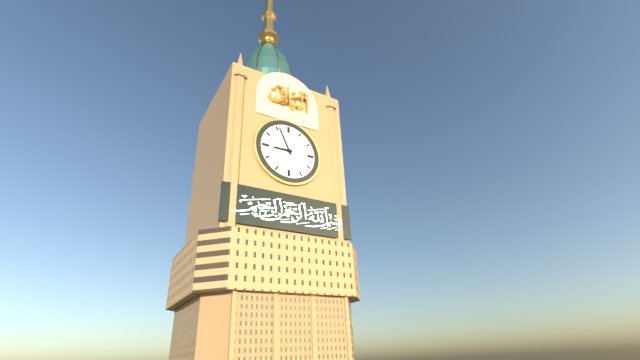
8:56
